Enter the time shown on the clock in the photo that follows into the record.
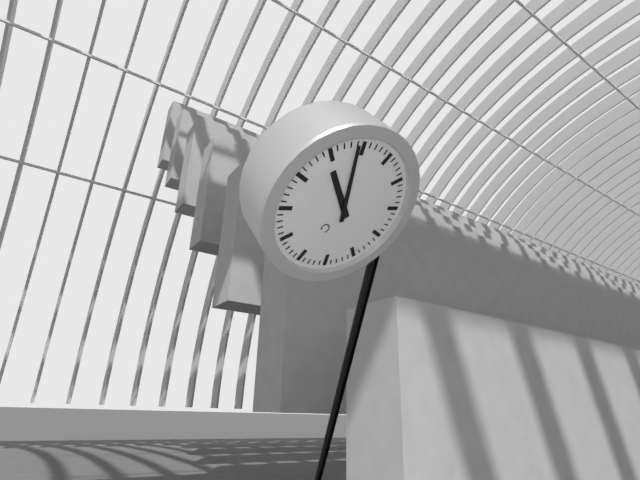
9:54
